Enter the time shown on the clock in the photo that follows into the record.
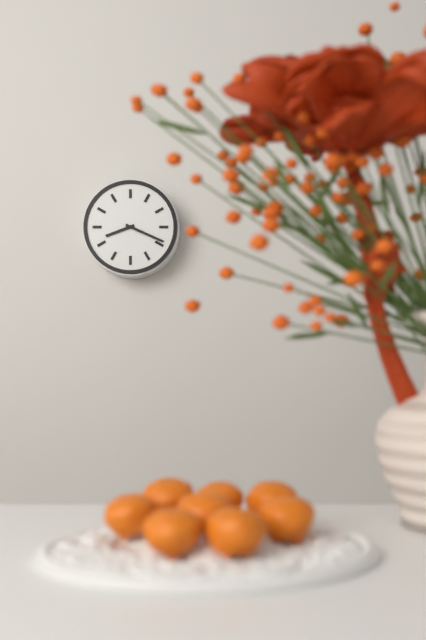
8:19
